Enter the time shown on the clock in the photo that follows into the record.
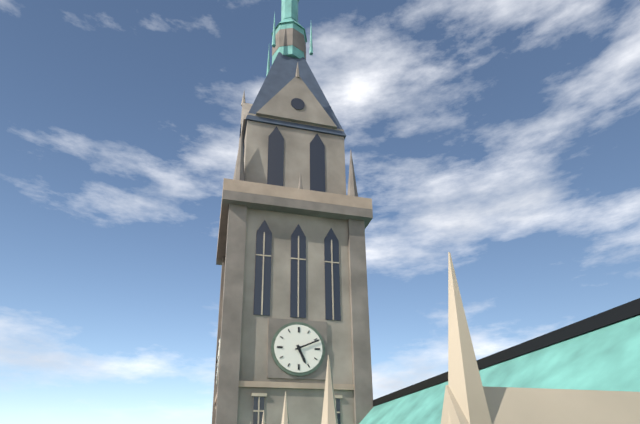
5:11
